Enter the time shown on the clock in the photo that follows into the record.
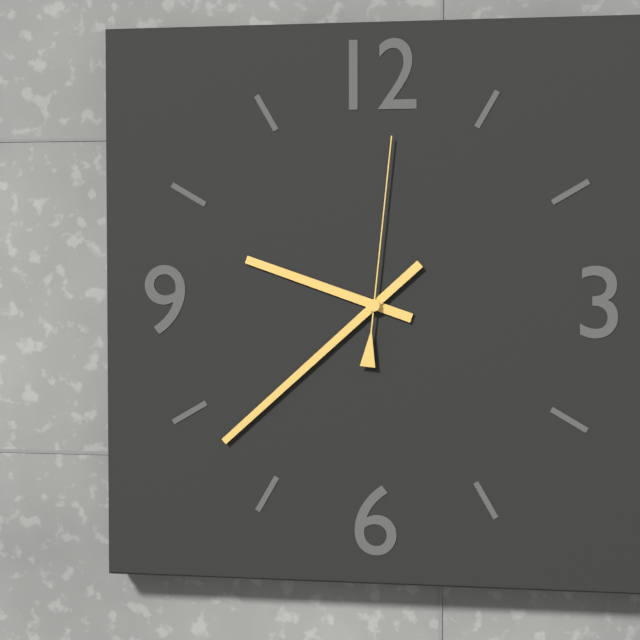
9:38:01
